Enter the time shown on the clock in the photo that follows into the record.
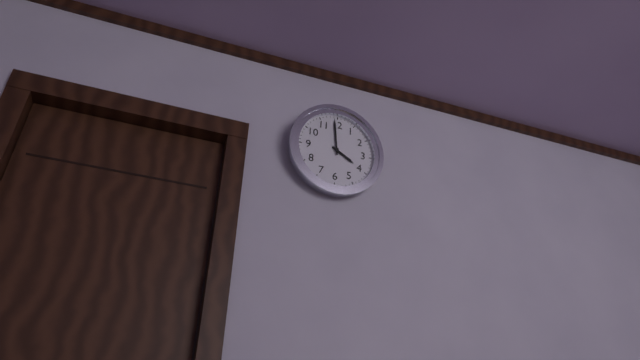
3:59
